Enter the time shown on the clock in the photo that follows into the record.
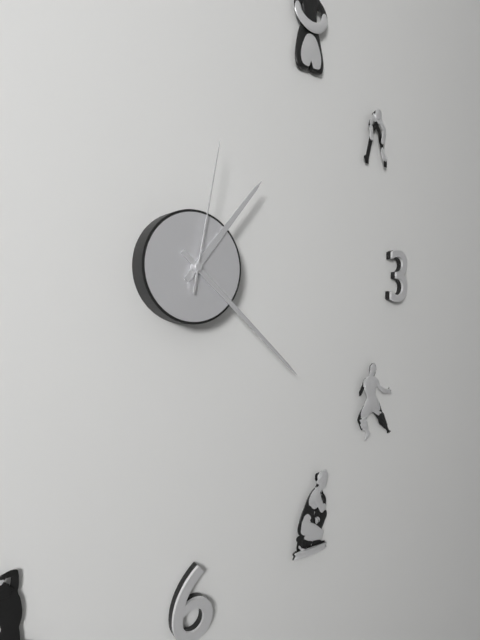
1:22:02
